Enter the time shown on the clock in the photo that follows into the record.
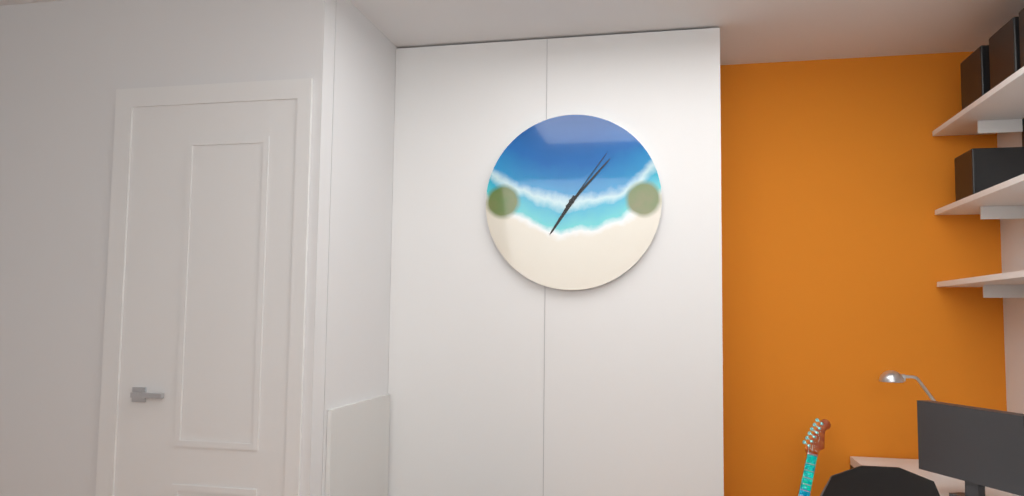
7:07:06
